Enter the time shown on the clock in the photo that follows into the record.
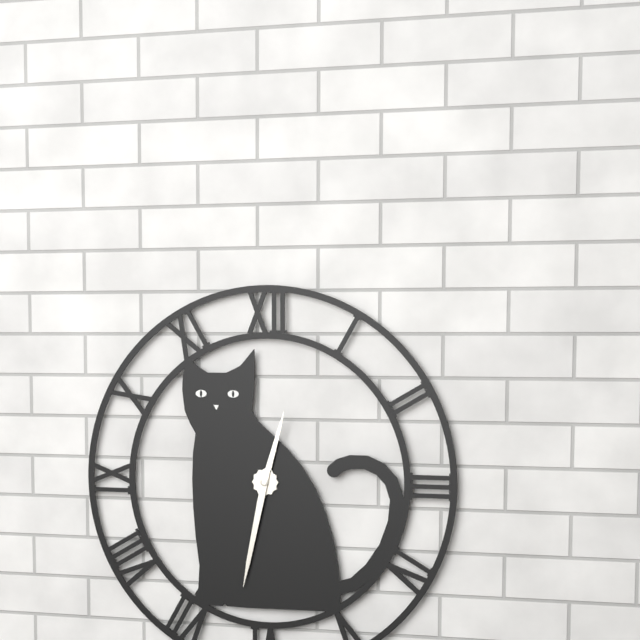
12:32
